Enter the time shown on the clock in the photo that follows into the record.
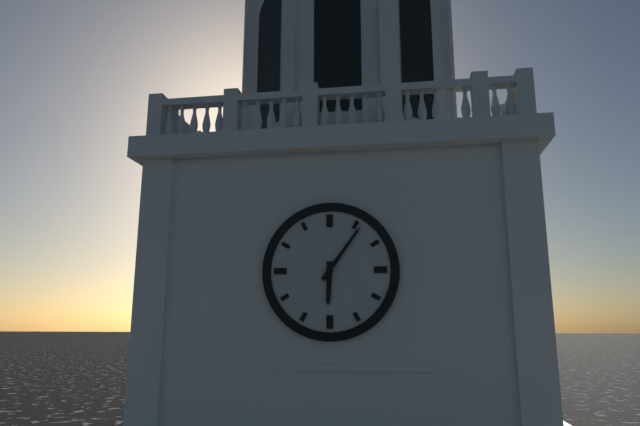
6:06
